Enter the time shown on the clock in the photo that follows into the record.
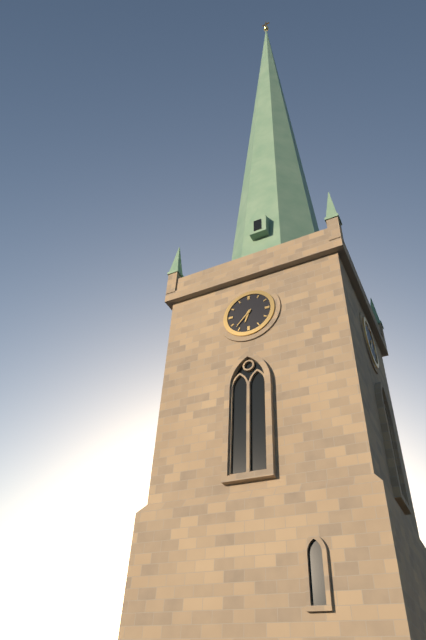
6:37
